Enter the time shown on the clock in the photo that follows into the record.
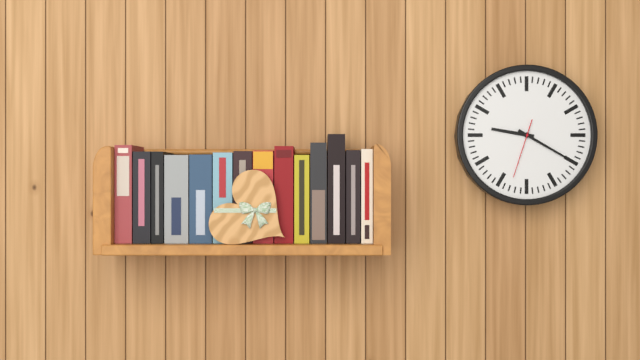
9:20:33
